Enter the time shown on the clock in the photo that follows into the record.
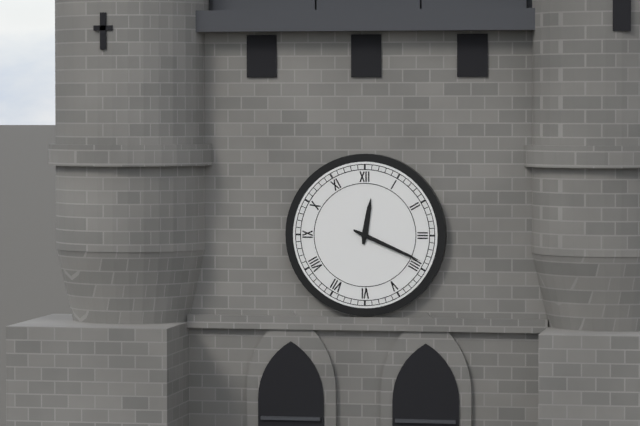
12:19
